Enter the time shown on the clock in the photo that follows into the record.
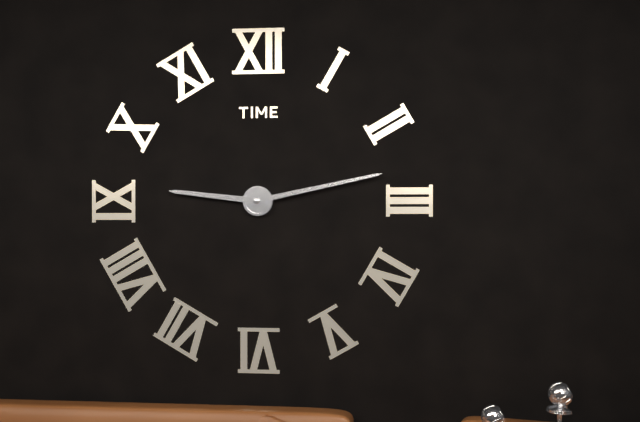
9:13
